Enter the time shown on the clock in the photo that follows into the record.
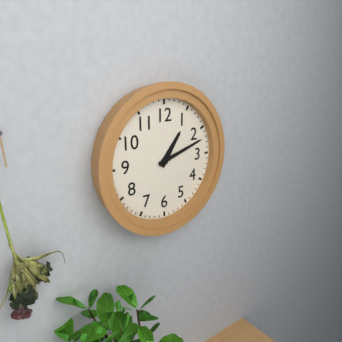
1:12
